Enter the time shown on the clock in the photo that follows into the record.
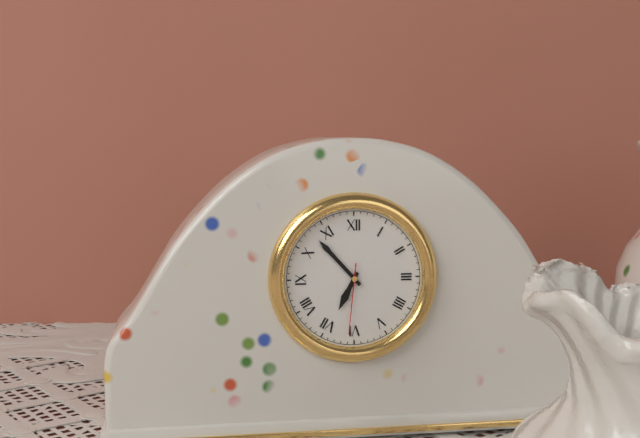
6:53:31
